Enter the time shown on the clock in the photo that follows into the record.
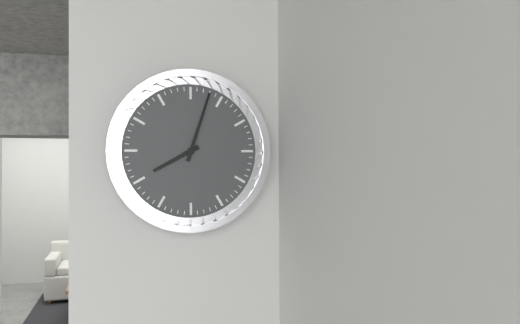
8:03
